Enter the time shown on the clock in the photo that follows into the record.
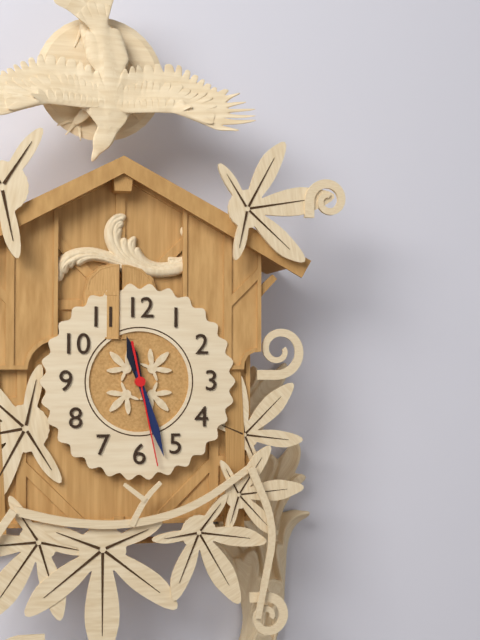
11:27:28
